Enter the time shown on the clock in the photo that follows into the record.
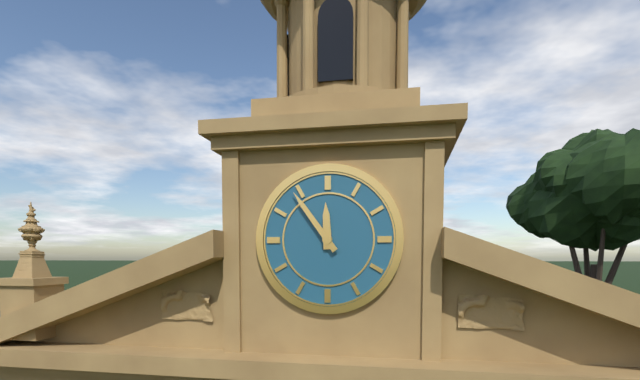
11:54
